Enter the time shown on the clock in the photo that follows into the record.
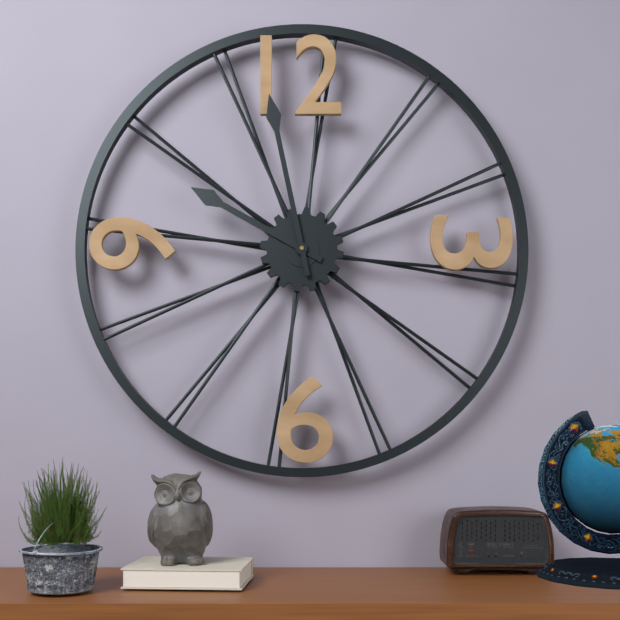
9:58
